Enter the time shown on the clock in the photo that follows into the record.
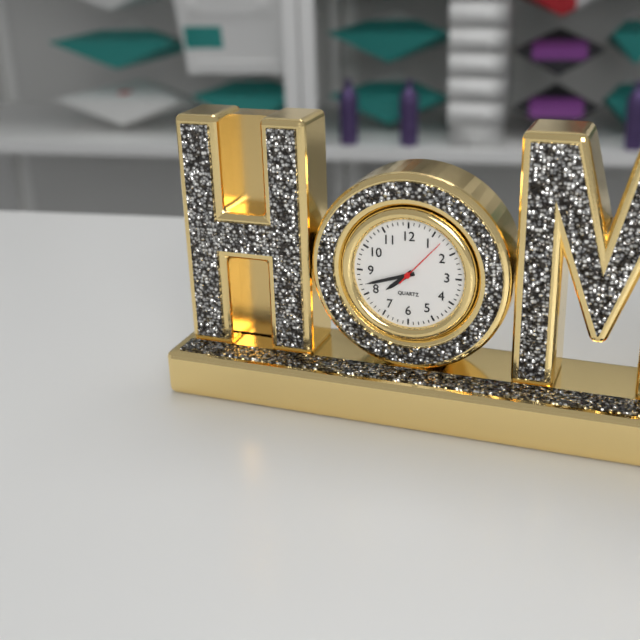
7:42:07
